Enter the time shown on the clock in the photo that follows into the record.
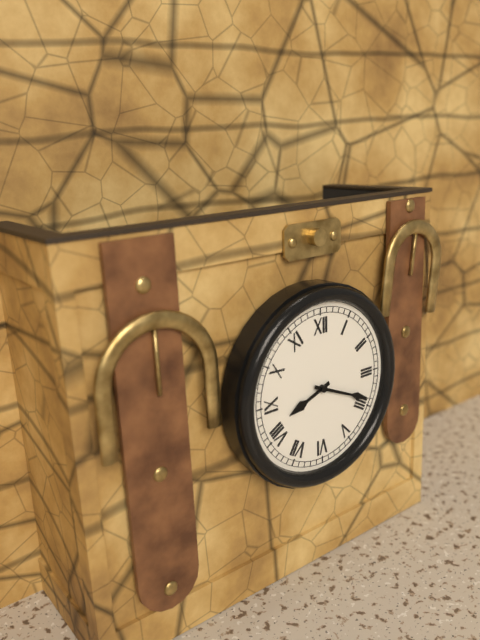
8:19
